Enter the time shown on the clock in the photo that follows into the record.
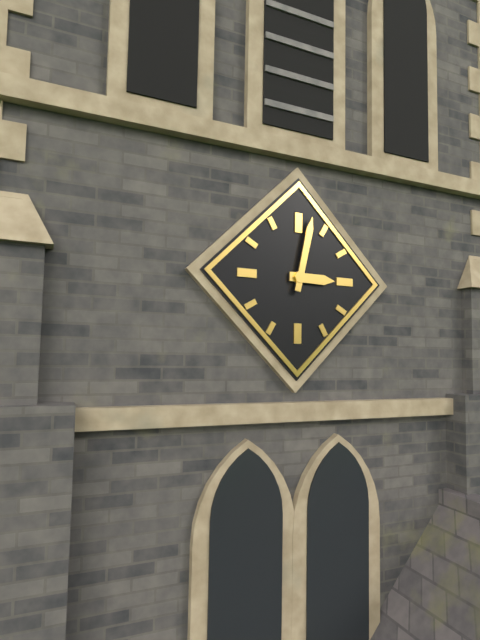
3:02
